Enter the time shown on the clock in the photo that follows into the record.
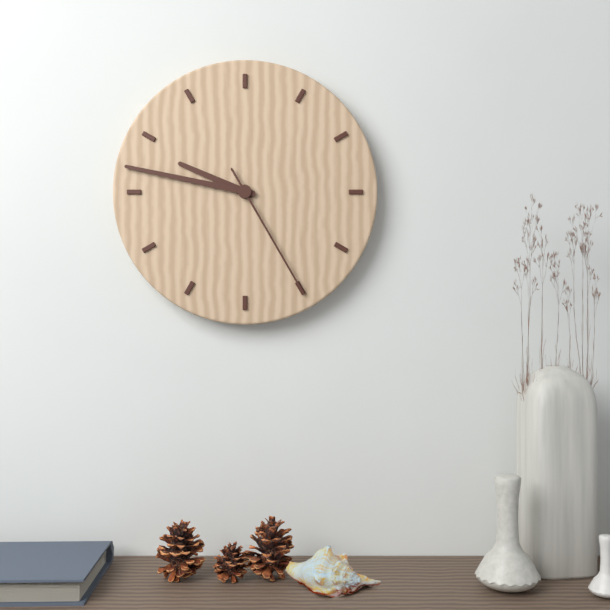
9:47:25
